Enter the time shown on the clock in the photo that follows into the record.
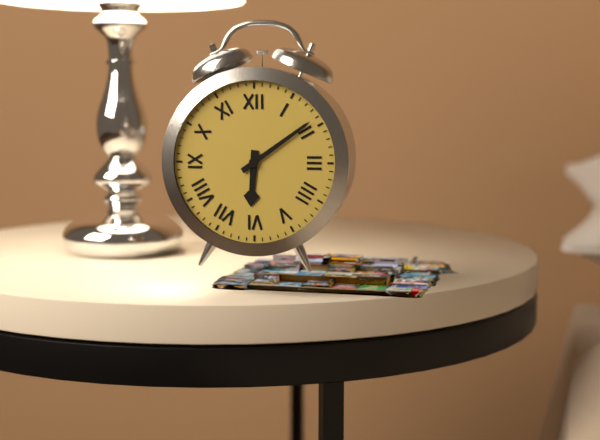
6:09
